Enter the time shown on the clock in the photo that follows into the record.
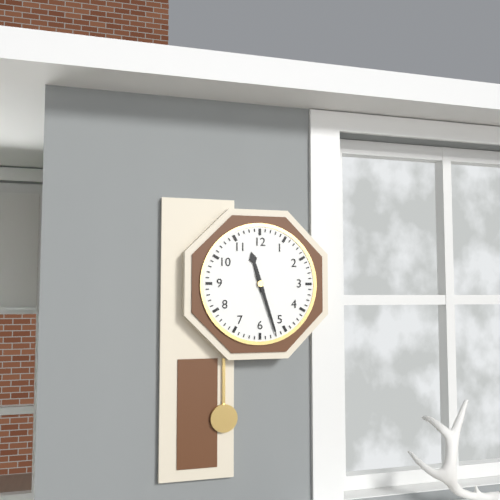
11:27
